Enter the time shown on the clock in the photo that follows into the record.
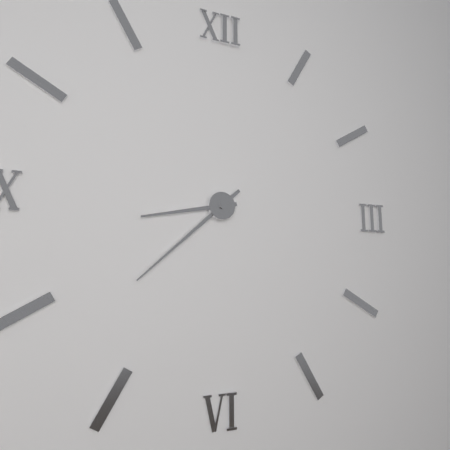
8:38
